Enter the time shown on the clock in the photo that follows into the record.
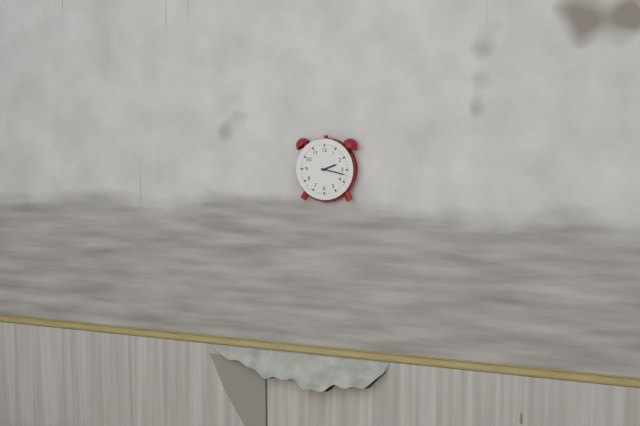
2:17
